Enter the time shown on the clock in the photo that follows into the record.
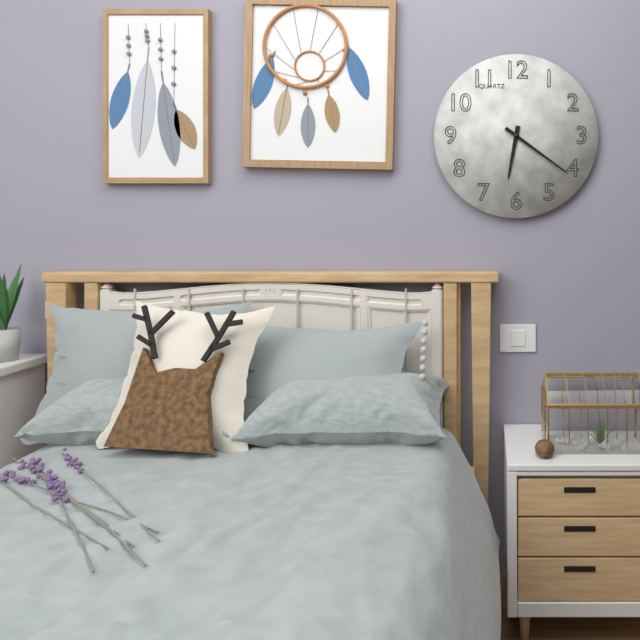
6:21
